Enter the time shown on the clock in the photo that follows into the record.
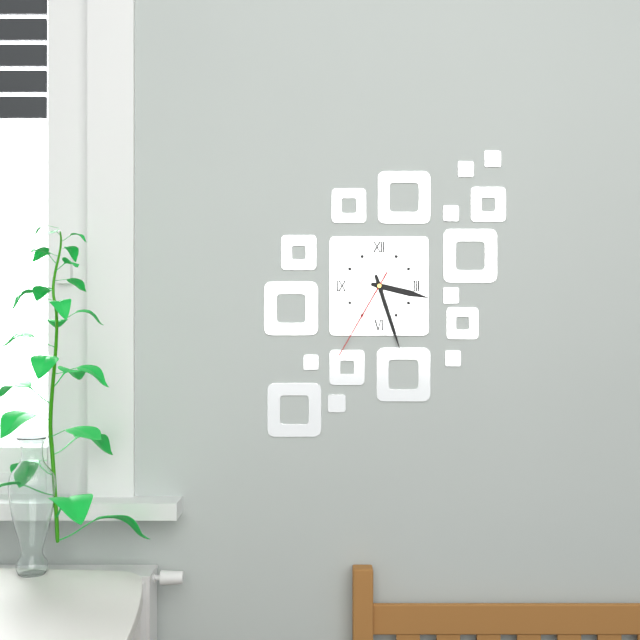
3:27:35
